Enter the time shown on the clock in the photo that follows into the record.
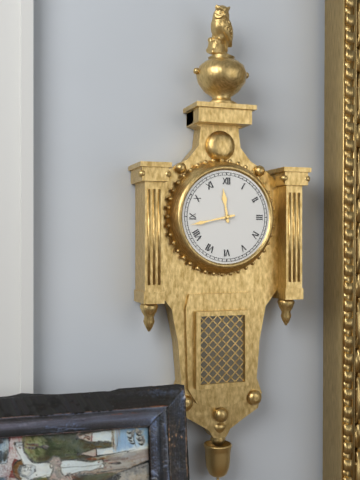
11:43
